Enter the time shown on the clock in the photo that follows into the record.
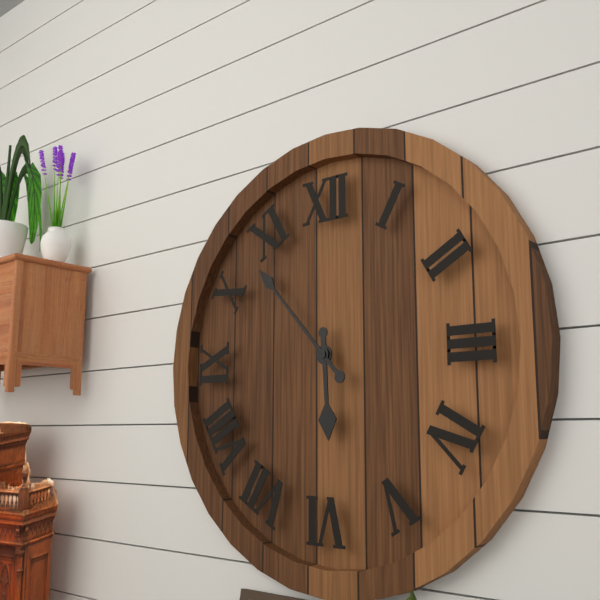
5:53
